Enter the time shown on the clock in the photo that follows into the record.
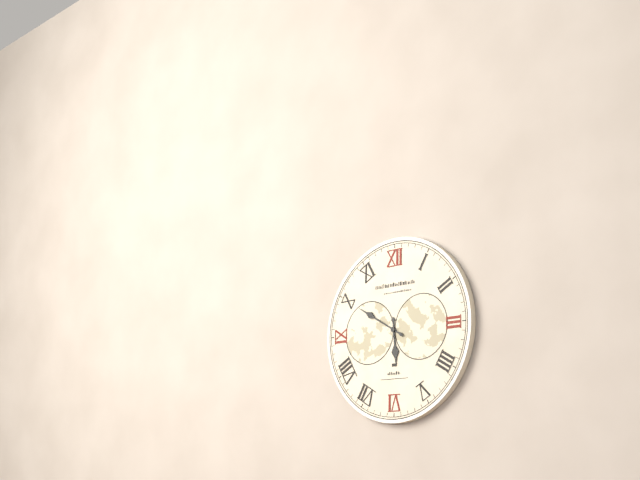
5:50
